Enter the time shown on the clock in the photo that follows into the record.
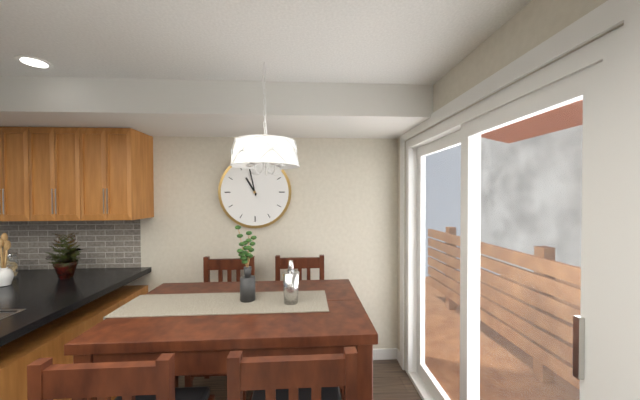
10:58
